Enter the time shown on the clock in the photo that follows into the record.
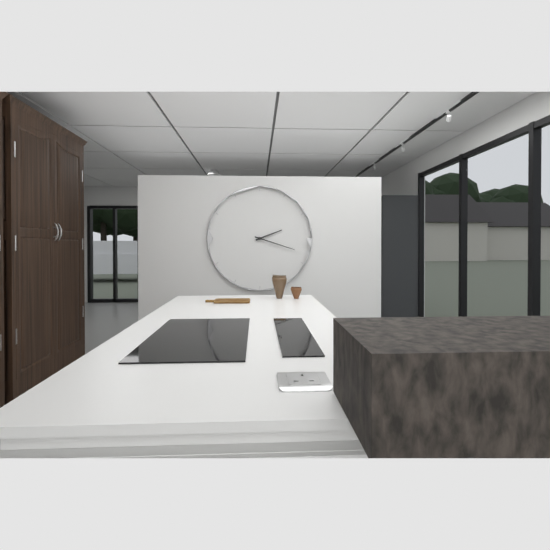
2:18
